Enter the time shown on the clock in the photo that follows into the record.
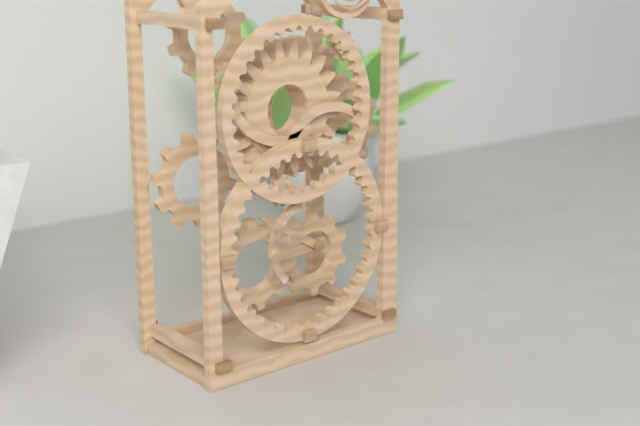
8:50
